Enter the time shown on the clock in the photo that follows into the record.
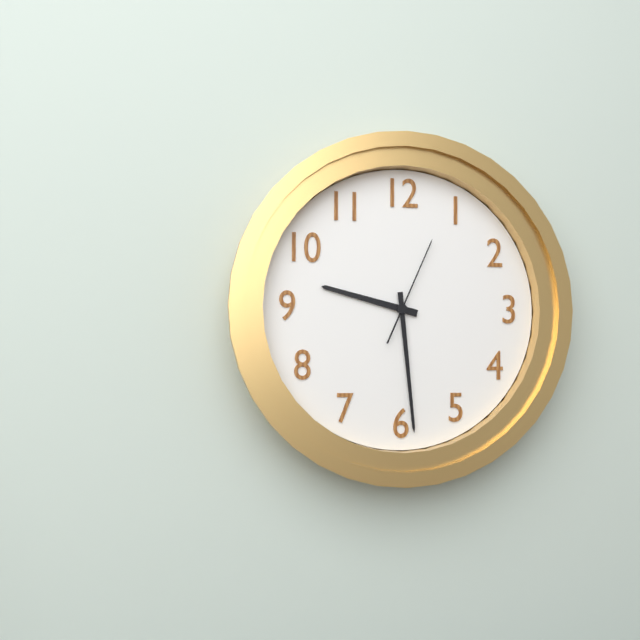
9:29:04
